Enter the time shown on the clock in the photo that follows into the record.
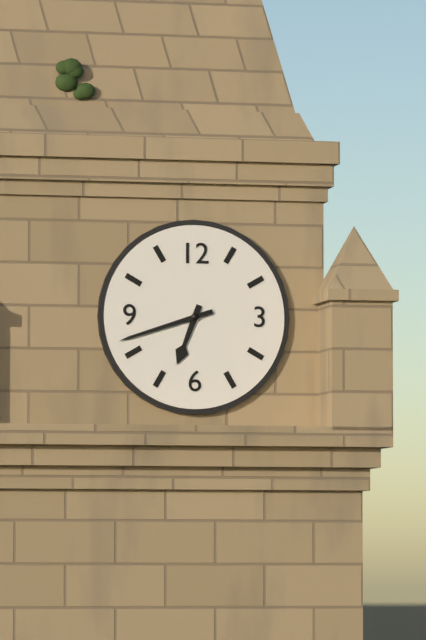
6:42
